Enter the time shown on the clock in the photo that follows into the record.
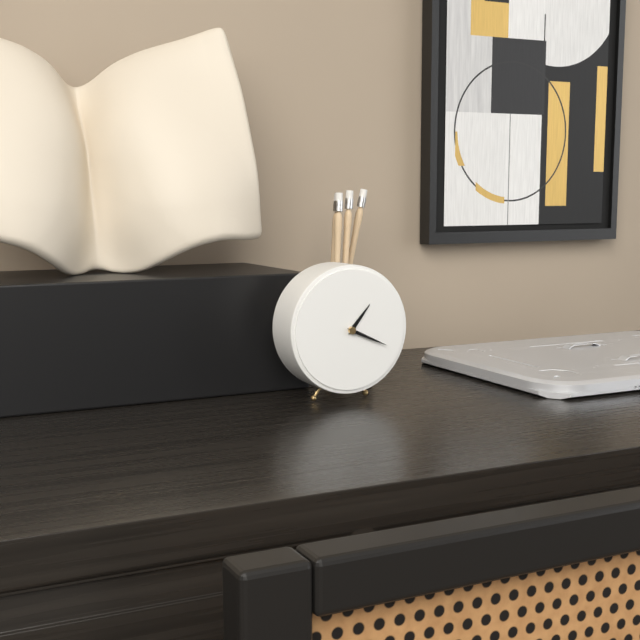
1:19
